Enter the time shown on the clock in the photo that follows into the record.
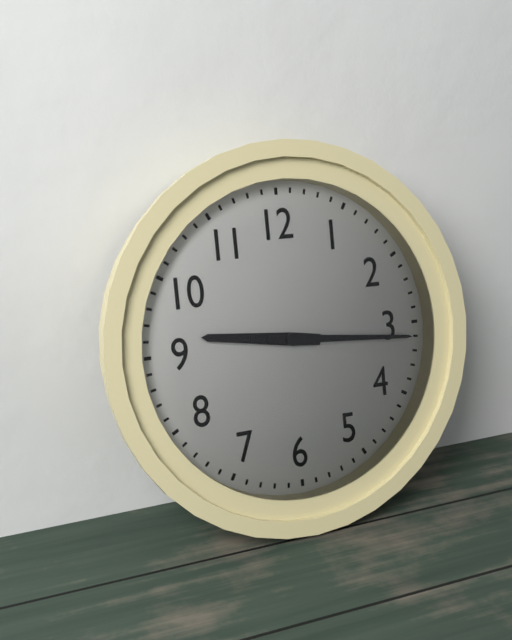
9:16
